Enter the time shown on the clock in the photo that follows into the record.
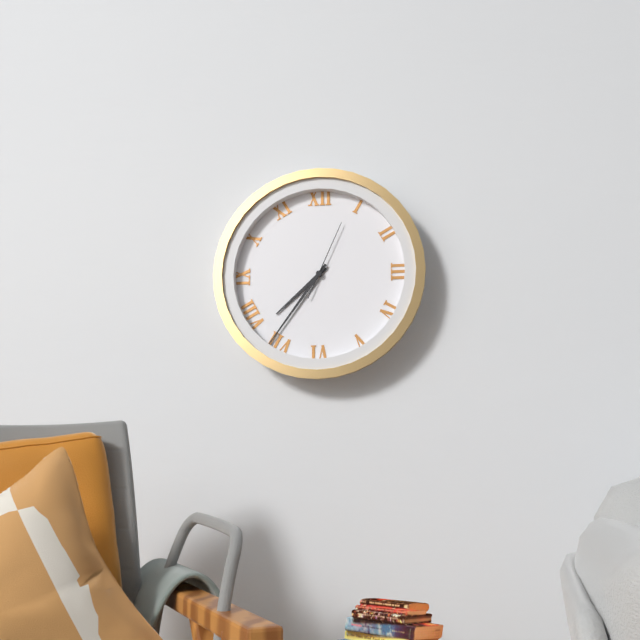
7:36:04
